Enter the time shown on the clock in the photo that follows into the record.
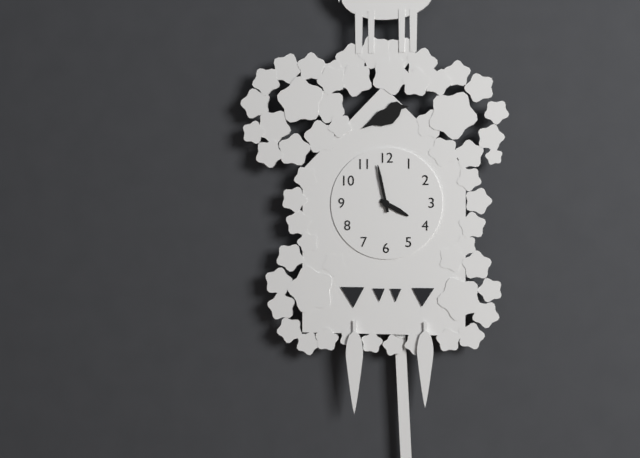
3:58
